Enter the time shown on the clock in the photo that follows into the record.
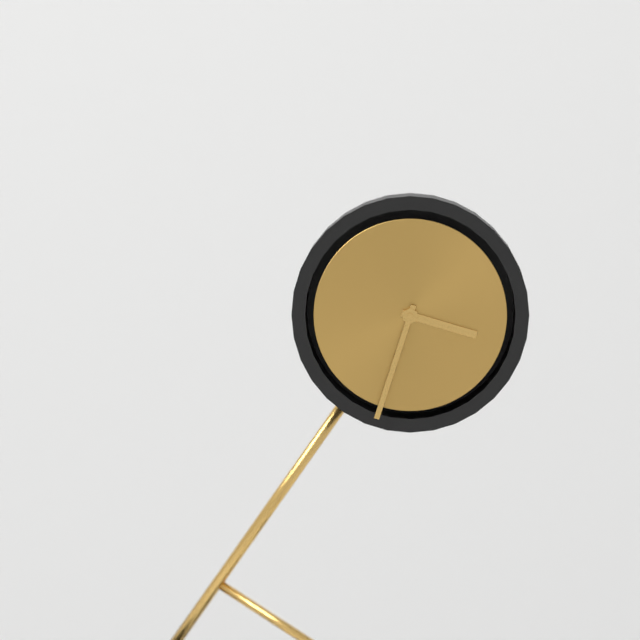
3:33
